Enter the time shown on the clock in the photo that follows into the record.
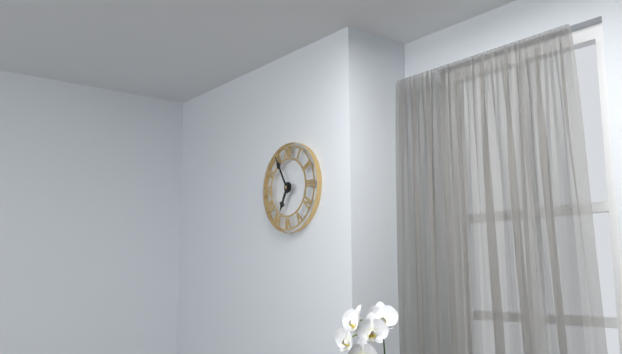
6:55
